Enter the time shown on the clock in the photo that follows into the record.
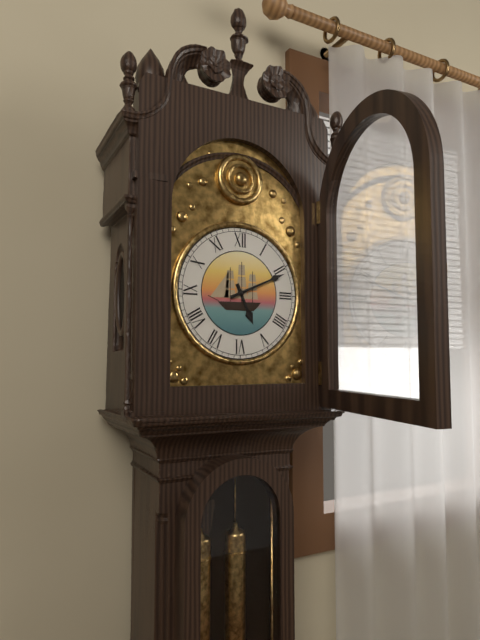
5:11
